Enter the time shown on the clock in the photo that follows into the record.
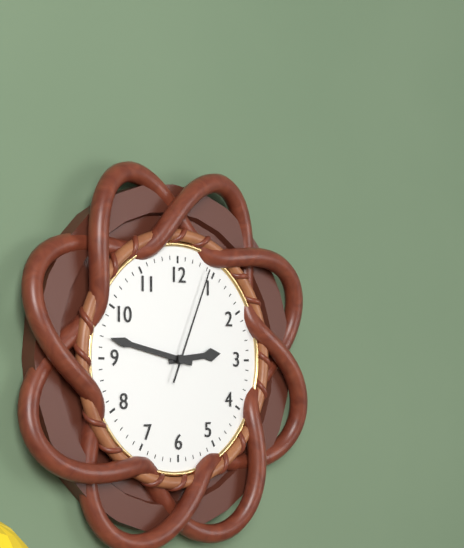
2:47:04
